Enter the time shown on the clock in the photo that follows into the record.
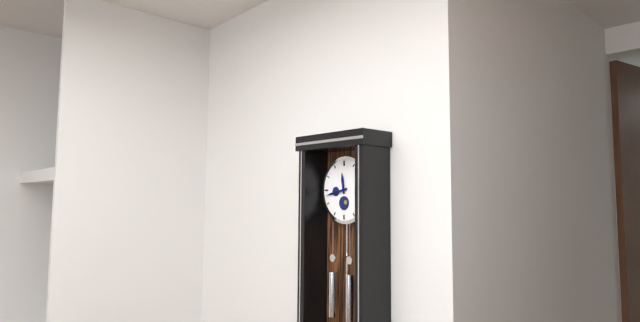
11:43
